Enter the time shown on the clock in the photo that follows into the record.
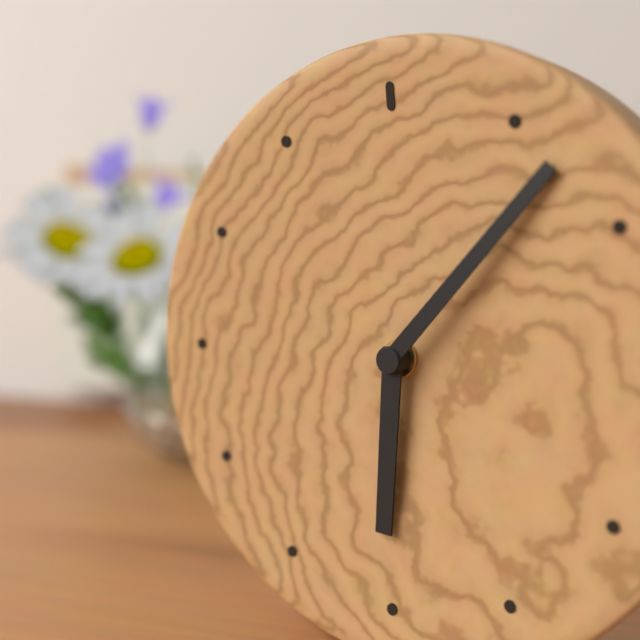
6:07
